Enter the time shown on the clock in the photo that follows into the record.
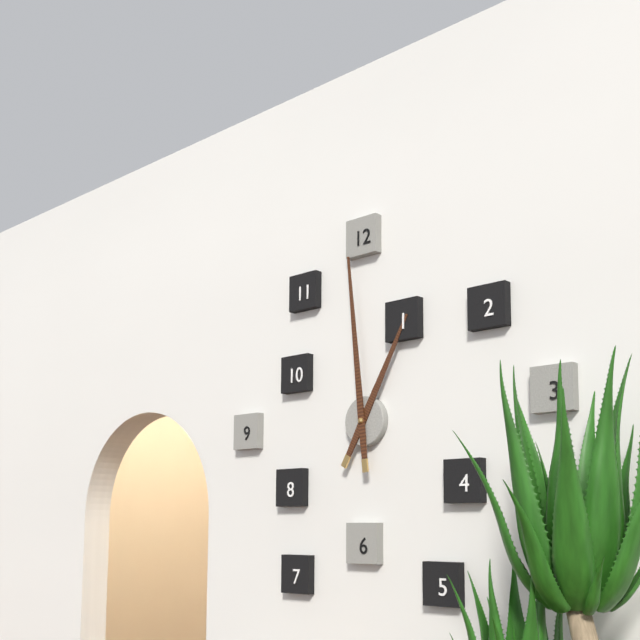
12:59
